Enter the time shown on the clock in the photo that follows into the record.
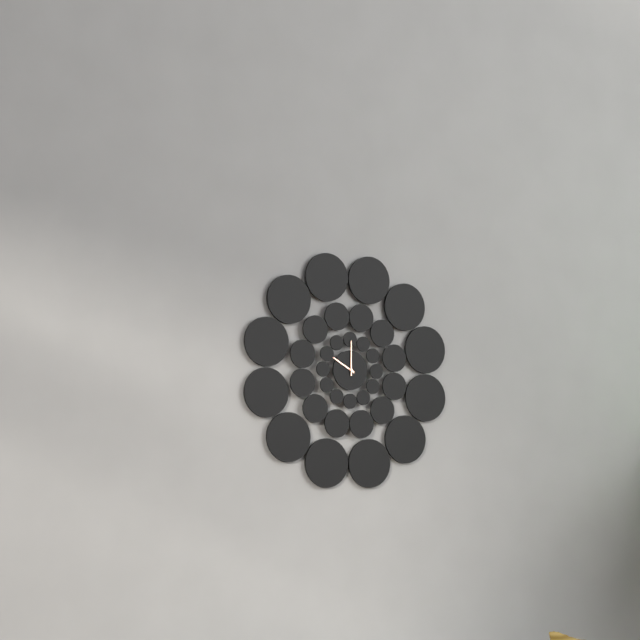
10:00
